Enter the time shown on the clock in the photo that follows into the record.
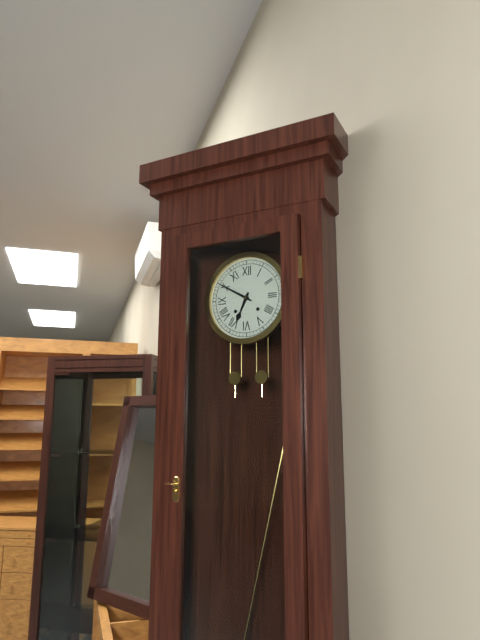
6:50
